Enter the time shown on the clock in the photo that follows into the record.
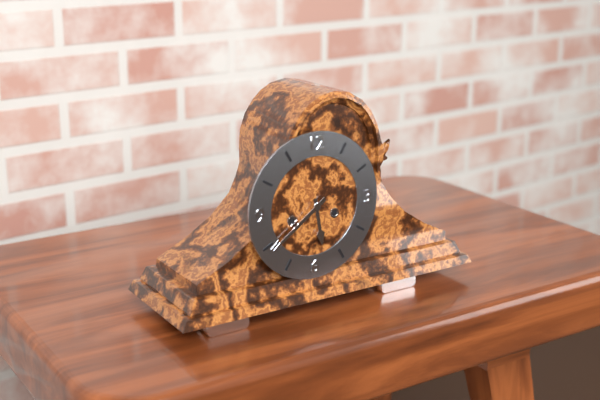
5:39
